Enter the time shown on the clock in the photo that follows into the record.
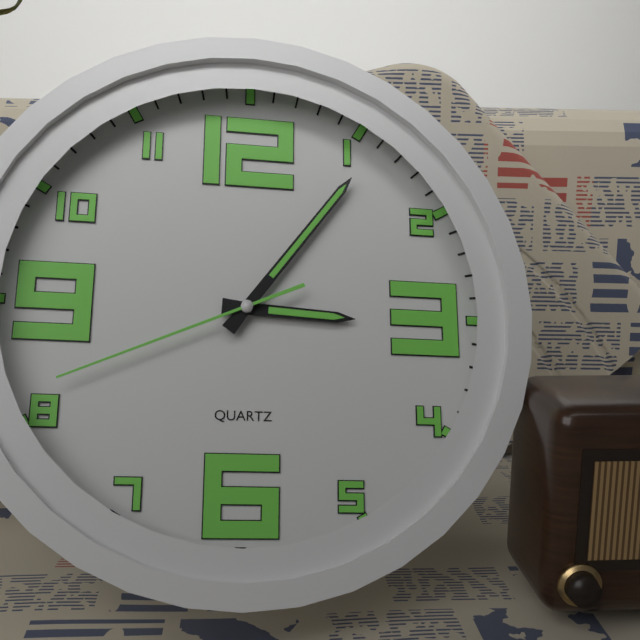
3:06:41
